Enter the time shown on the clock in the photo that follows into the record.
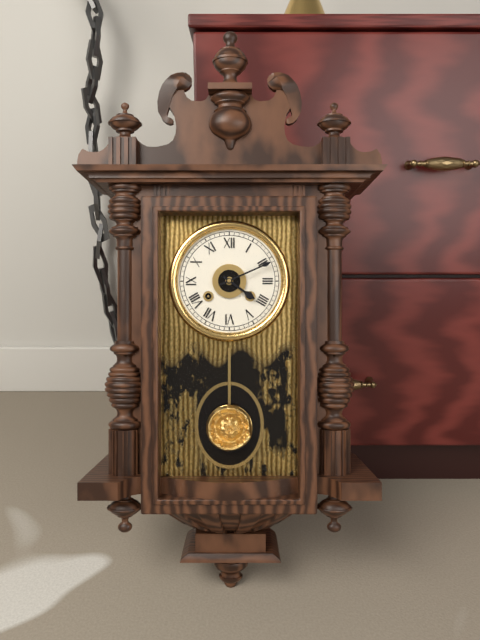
4:11
